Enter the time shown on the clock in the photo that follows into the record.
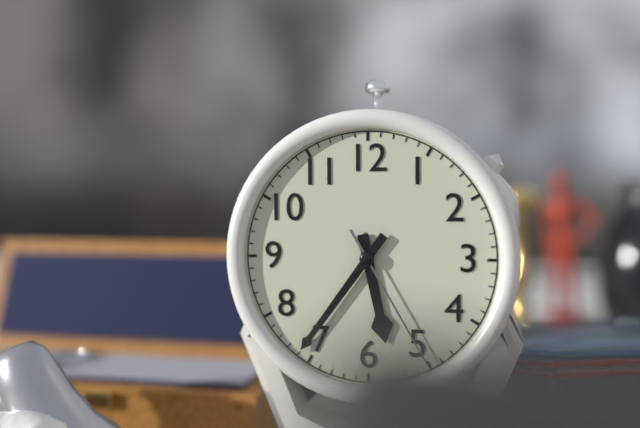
5:36:25
